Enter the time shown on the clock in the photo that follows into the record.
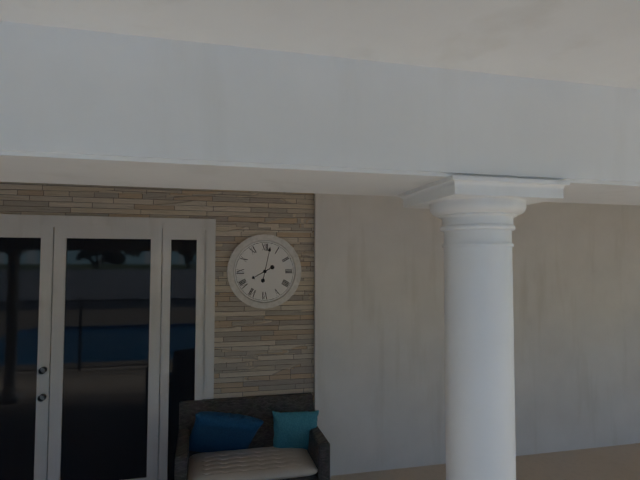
8:02
